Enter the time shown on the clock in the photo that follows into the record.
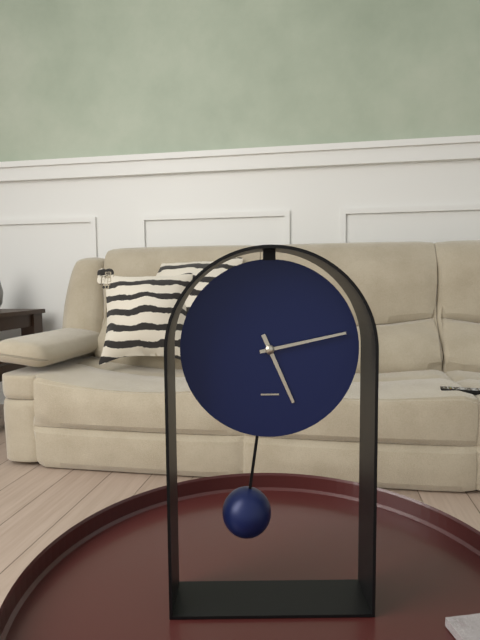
5:13
